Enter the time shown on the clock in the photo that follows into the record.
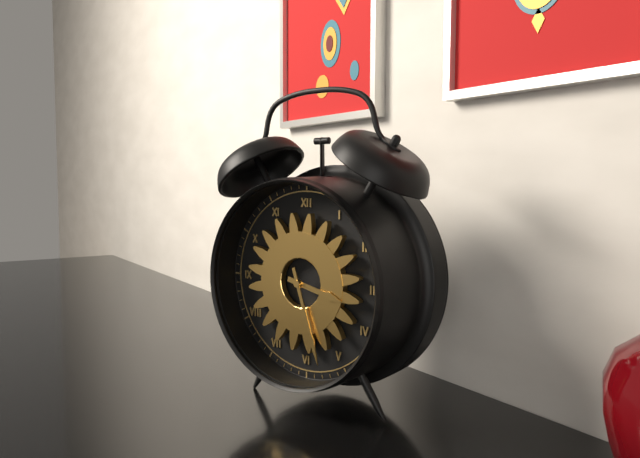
3:27
